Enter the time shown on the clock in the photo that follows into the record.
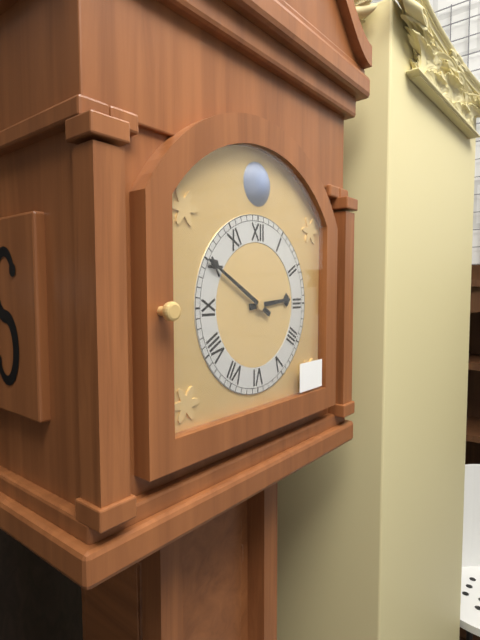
2:50
